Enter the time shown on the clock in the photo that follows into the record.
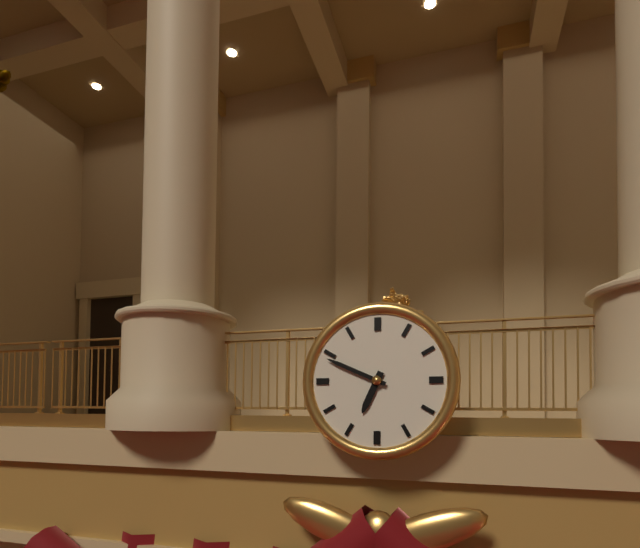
6:49
